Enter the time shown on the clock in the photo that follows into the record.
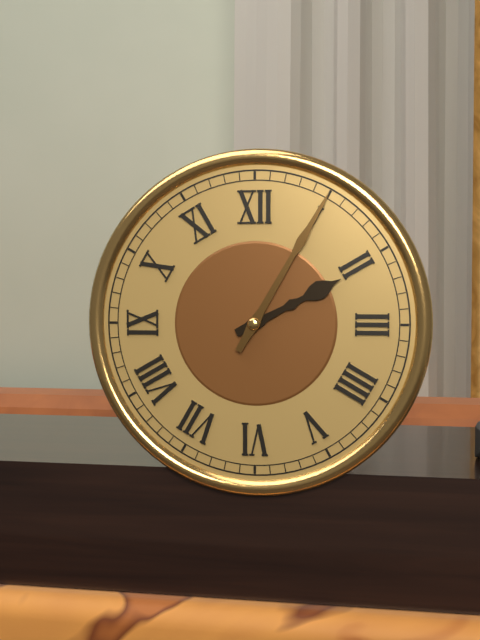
2:05
